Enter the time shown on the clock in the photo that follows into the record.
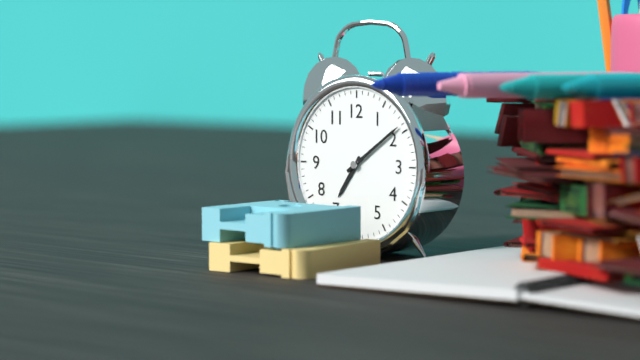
7:09
